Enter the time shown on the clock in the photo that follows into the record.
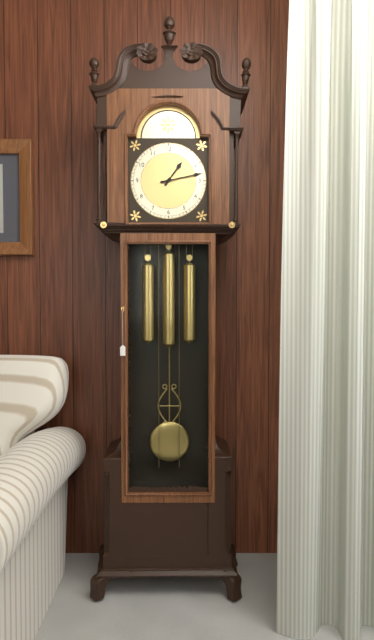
1:13
